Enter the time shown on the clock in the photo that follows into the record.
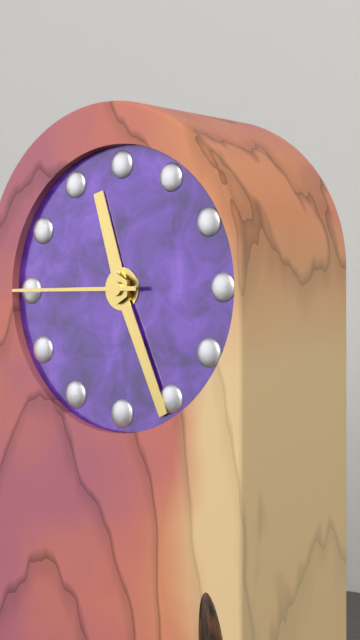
11:26:45
